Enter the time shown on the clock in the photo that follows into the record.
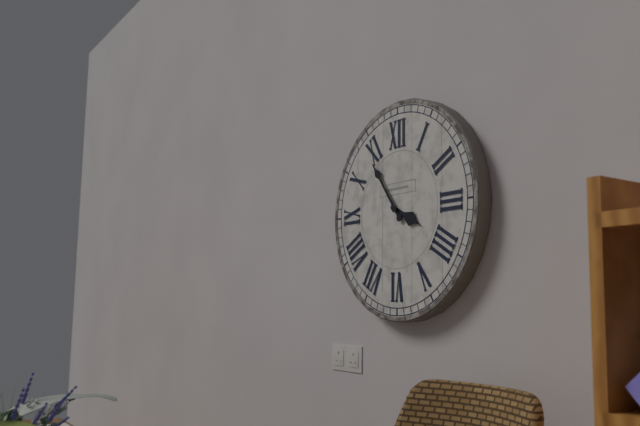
3:54
